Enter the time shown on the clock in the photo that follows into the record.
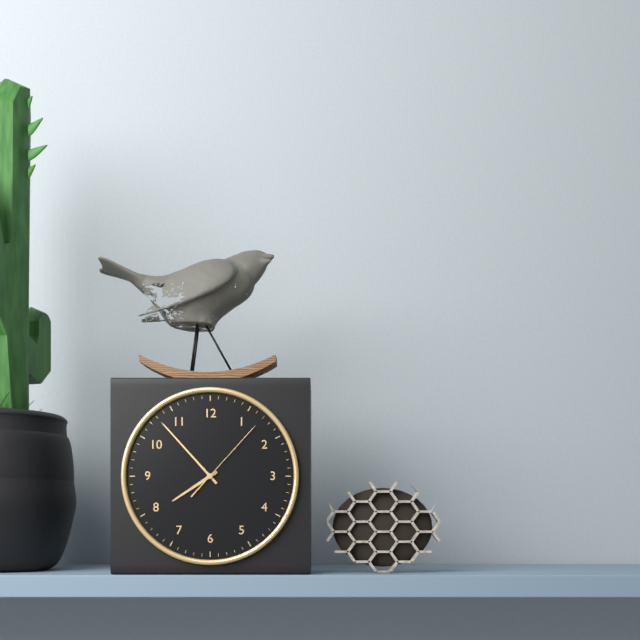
7:53:07
